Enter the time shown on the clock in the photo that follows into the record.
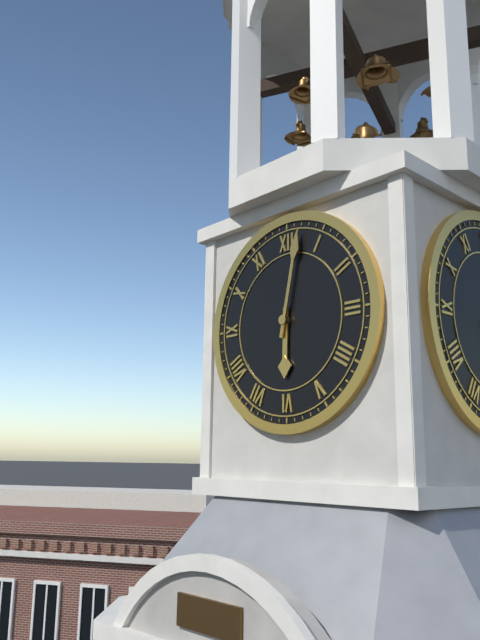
6:02
